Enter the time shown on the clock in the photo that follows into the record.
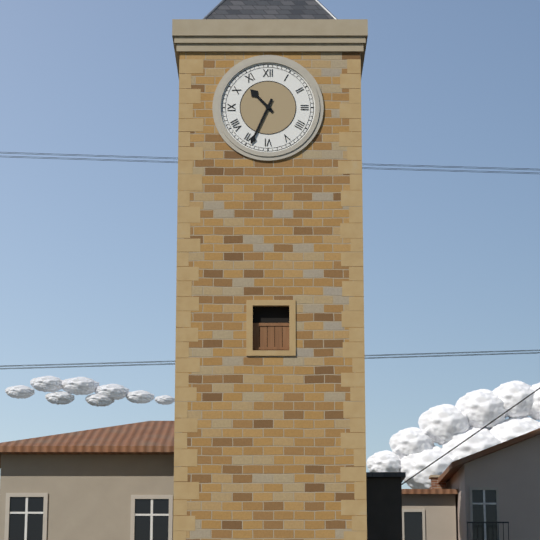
10:34
